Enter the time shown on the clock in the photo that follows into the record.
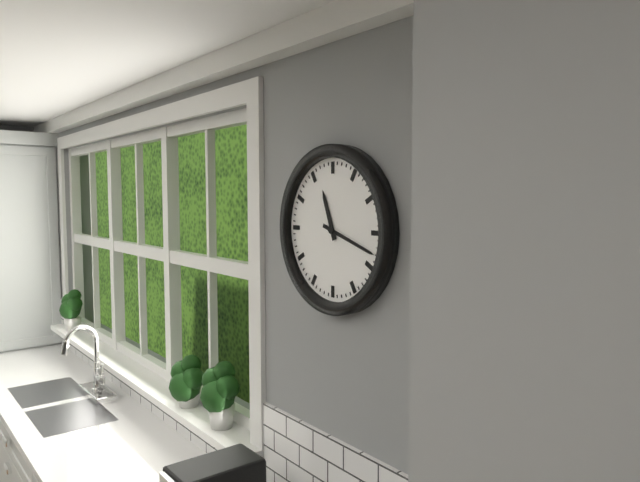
11:18
